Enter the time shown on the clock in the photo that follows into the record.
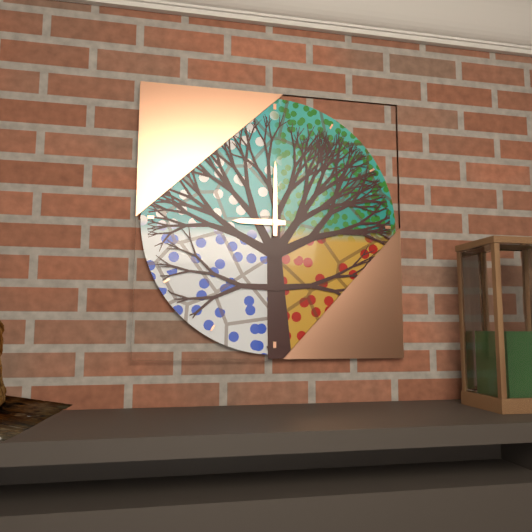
9:00
